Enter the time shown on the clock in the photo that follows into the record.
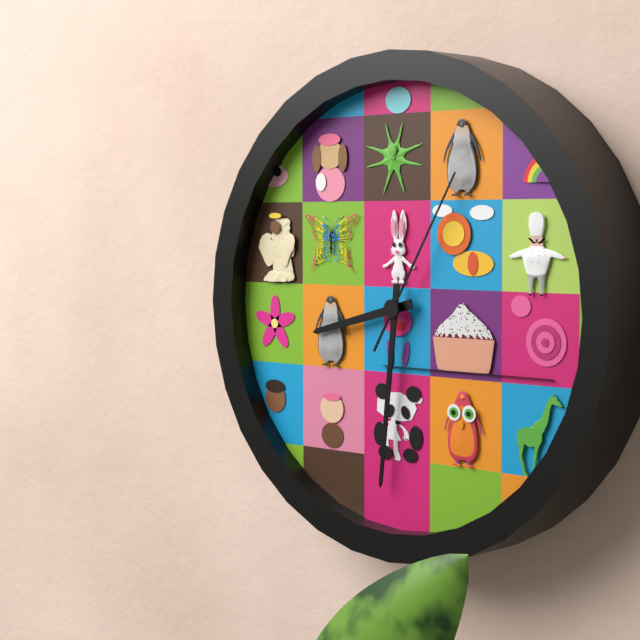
8:31:05
